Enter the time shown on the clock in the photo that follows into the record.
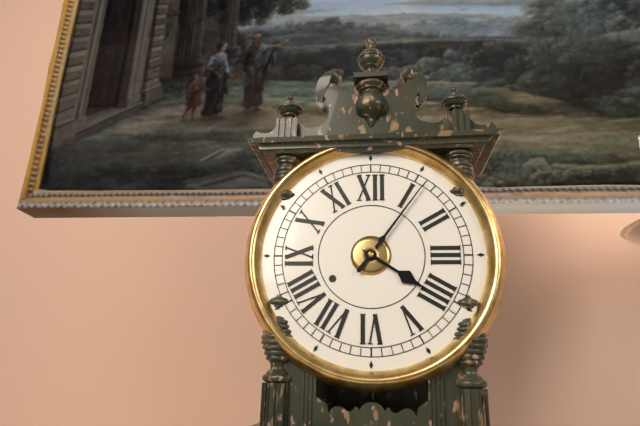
4:06
